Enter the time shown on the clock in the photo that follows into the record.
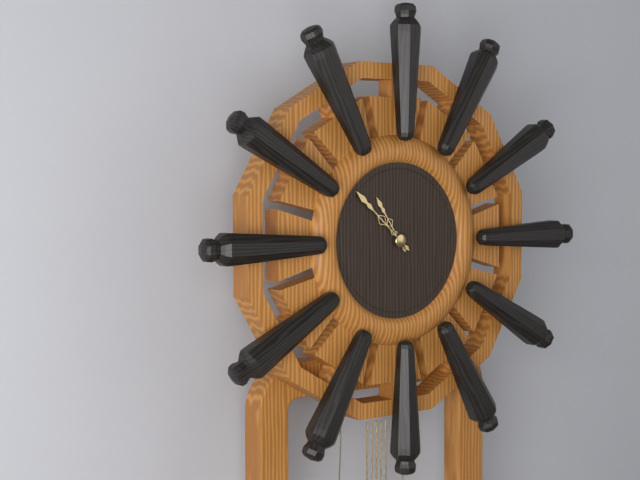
10:52
